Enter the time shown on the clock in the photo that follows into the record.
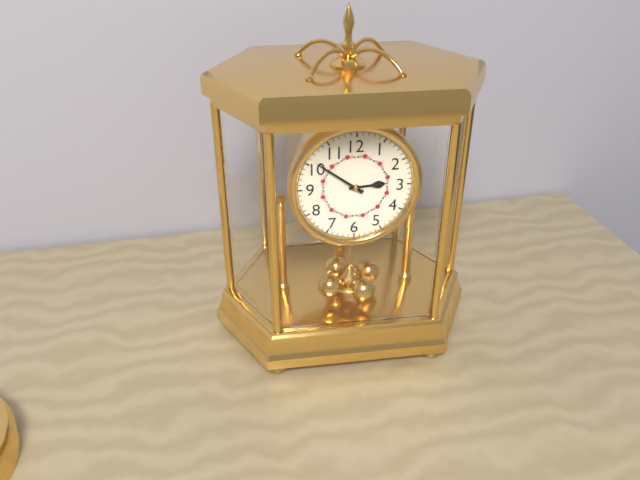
2:51
